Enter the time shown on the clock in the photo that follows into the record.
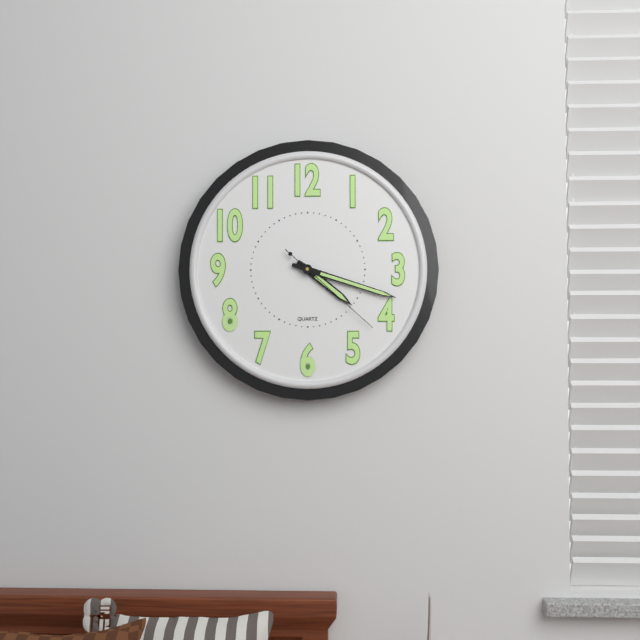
4:18:22
